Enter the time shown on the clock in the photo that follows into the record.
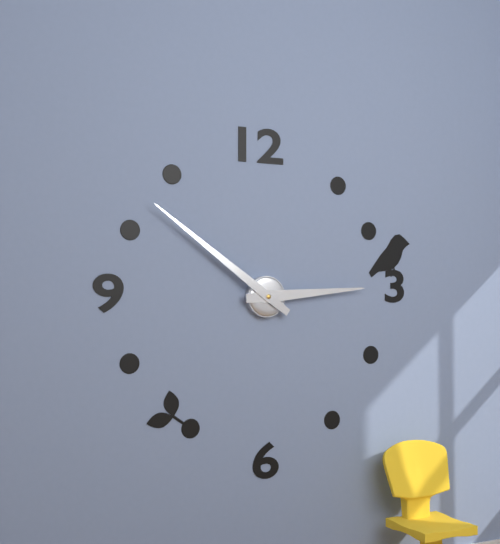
2:51
